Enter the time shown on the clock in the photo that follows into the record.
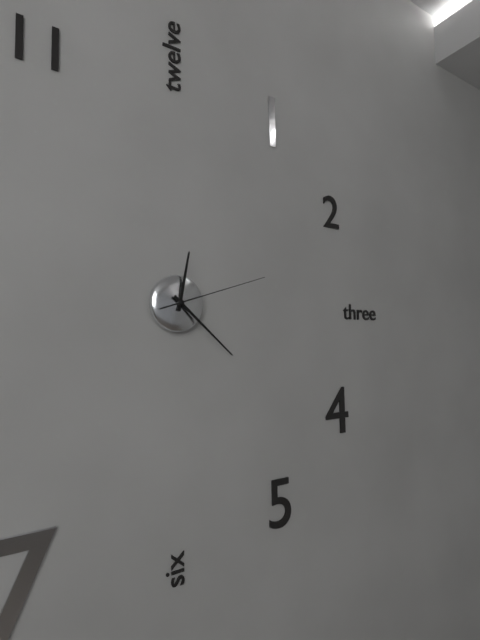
12:22:12
